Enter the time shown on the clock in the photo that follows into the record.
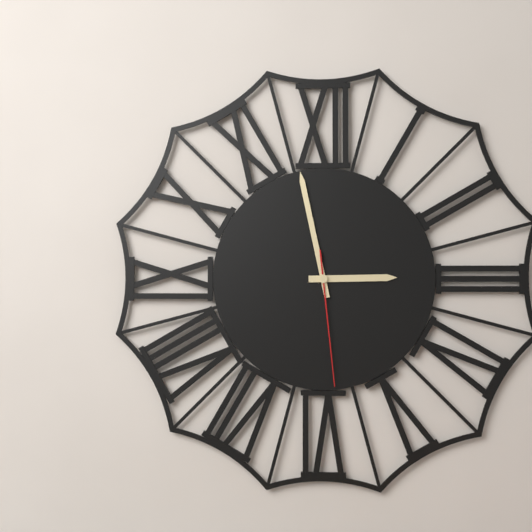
2:58:29
